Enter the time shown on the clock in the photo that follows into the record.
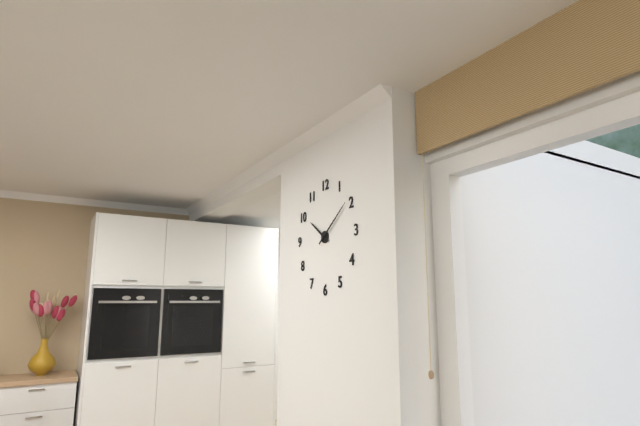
10:09
